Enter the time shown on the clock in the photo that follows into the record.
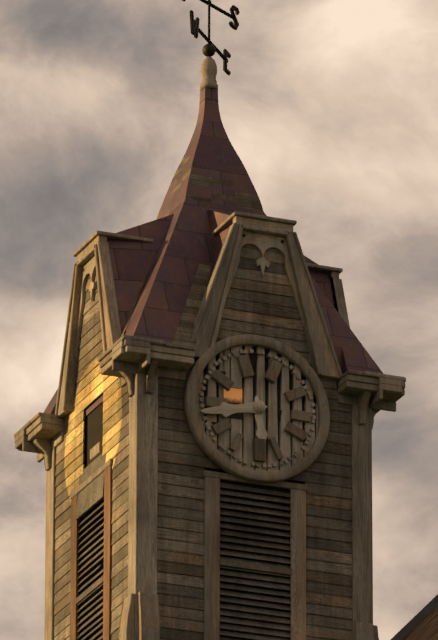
5:43
